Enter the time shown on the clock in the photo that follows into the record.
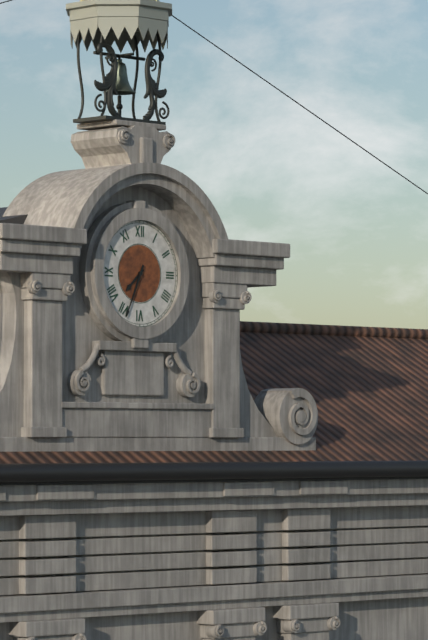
7:34
